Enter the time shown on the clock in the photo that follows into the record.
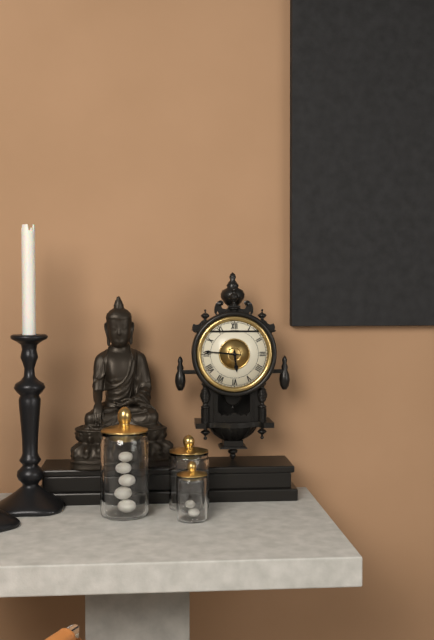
5:46
